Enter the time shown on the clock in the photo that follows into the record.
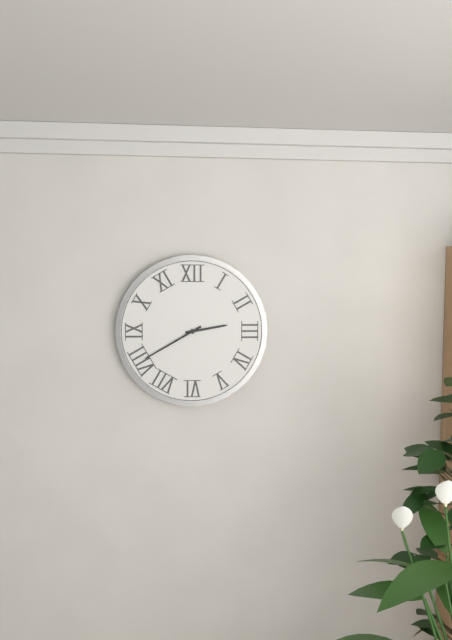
2:40
